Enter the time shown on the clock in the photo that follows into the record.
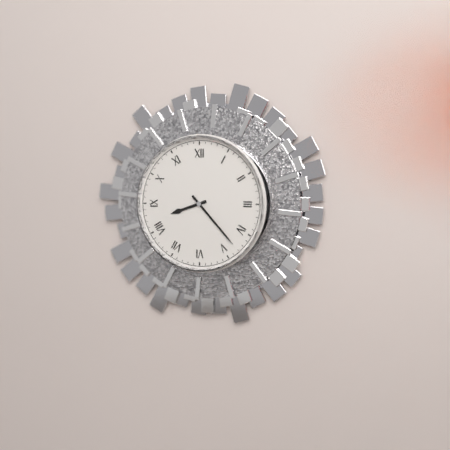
8:23
